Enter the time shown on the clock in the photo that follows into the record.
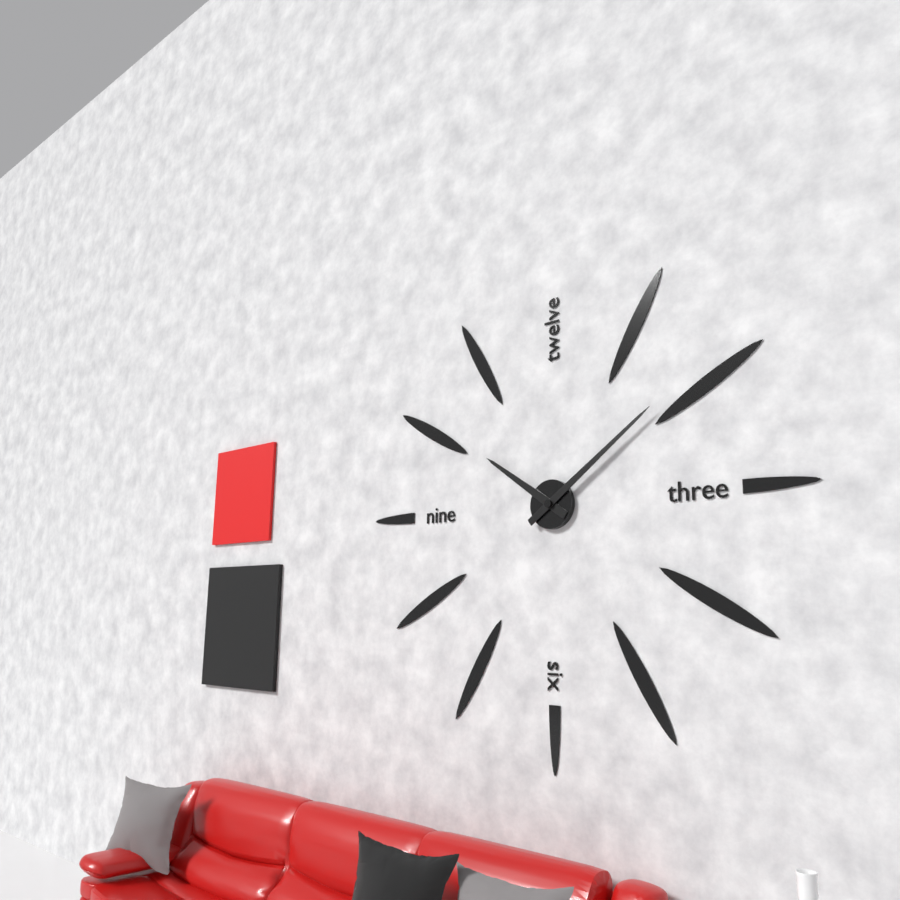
10:09
